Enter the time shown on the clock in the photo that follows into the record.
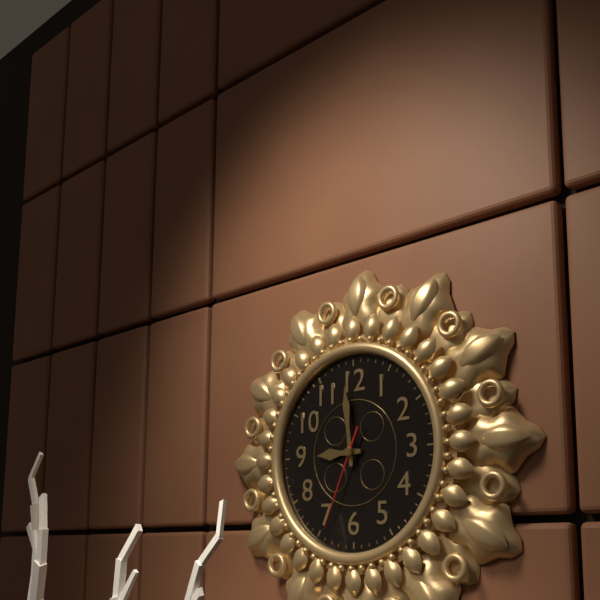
8:59:34
